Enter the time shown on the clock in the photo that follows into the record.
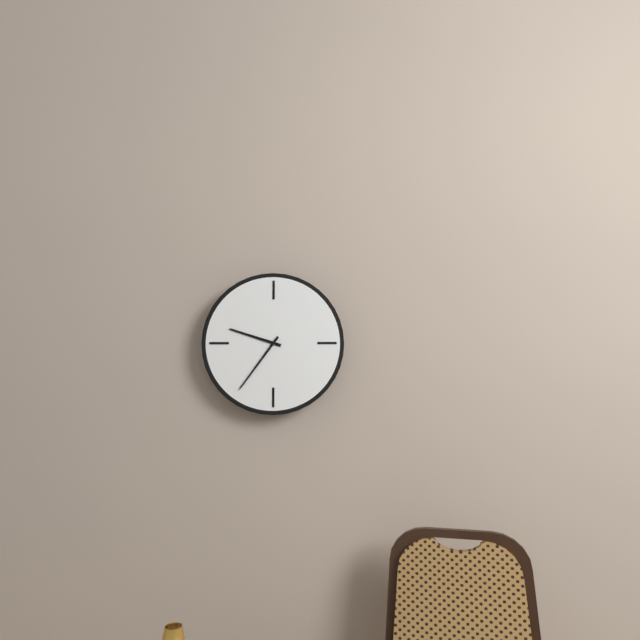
9:36
